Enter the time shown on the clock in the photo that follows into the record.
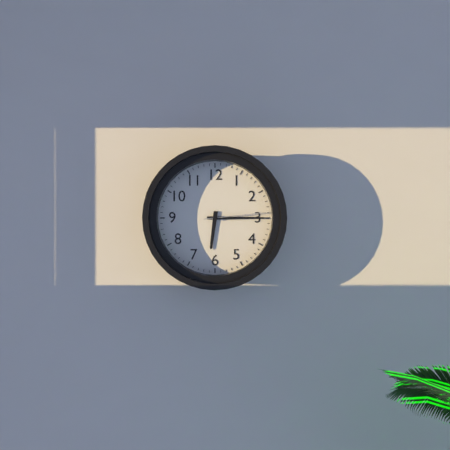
6:15:14
